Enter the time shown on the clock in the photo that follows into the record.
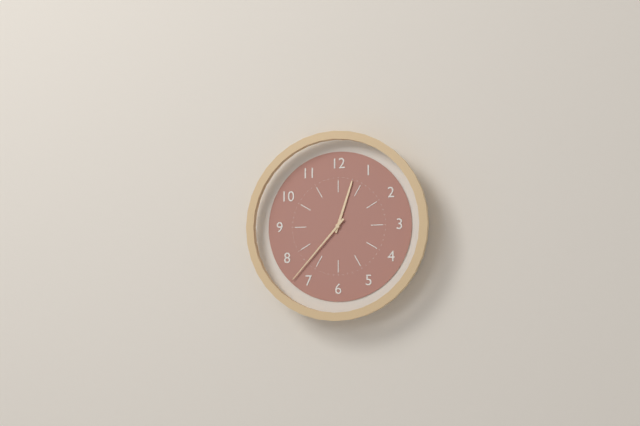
12:37
